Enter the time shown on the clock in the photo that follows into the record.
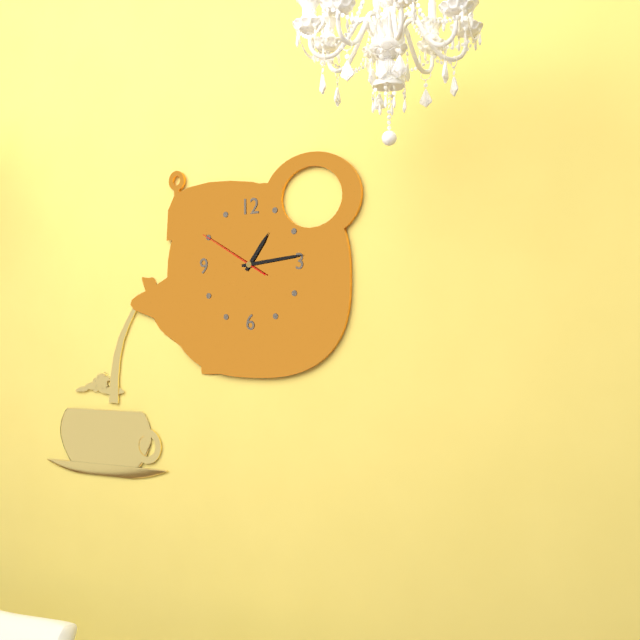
1:14:50
